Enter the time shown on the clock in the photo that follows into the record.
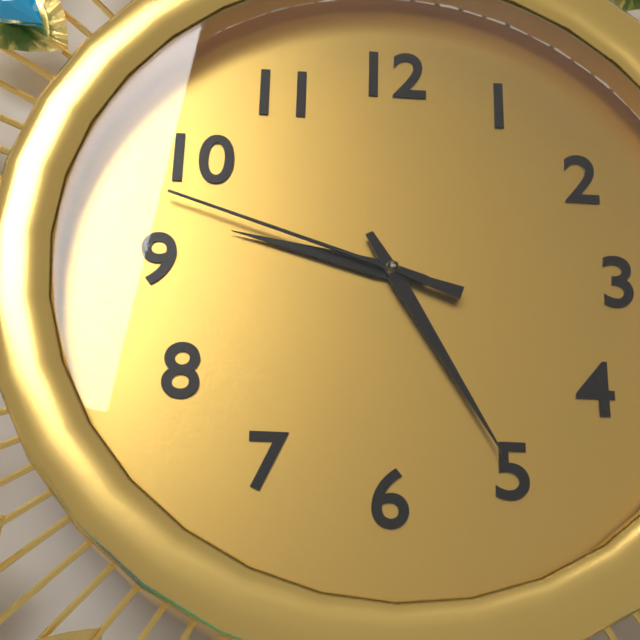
9:25:48
